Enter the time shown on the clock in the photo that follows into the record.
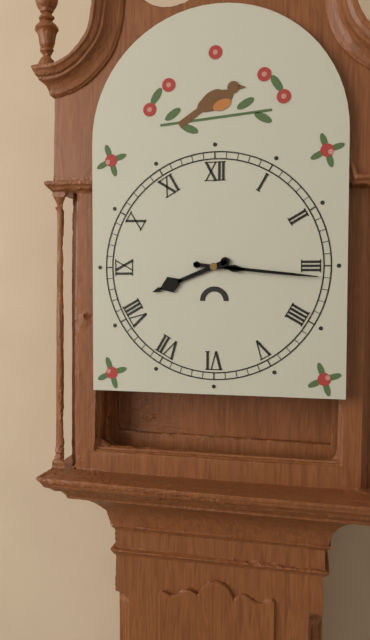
8:16
